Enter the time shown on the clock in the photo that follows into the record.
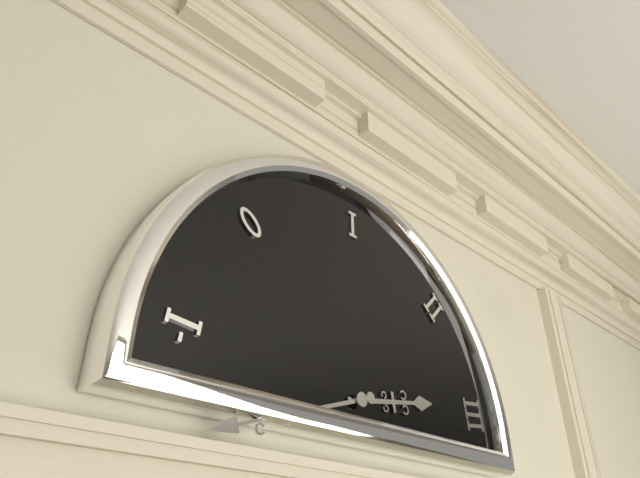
2:42
